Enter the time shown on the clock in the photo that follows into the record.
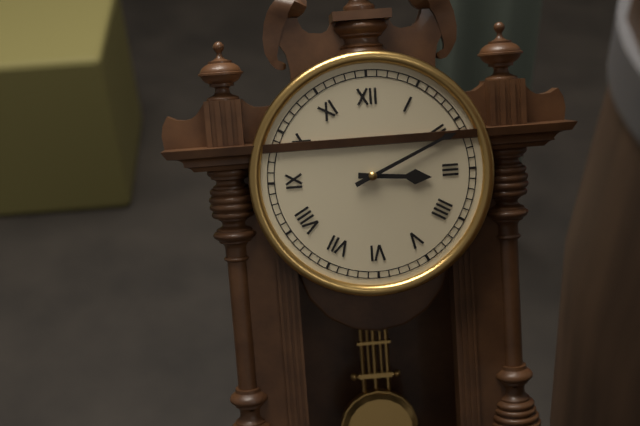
3:11
